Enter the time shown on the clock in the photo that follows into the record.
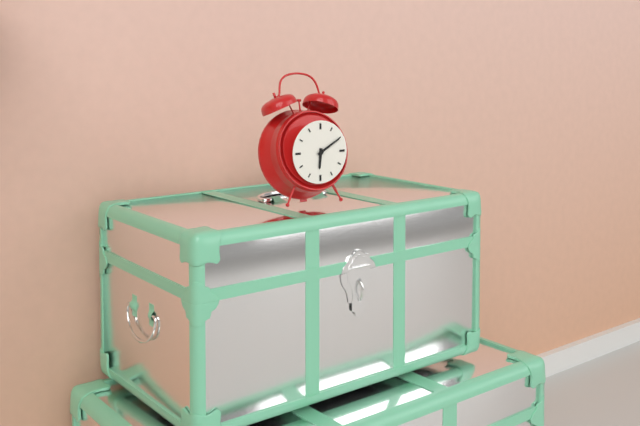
6:10
